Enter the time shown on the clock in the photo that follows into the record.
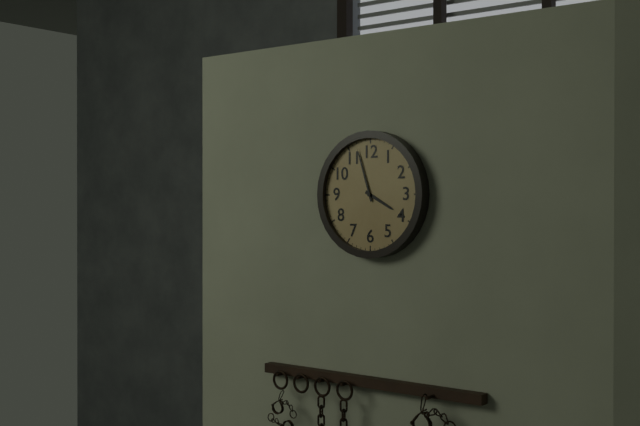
3:57
